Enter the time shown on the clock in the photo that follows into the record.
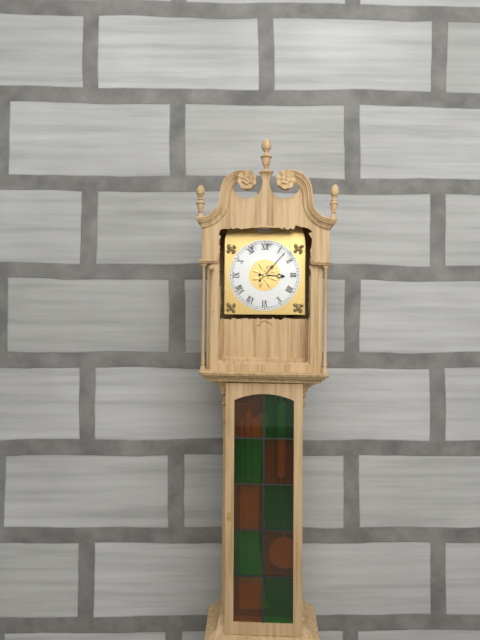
3:07
